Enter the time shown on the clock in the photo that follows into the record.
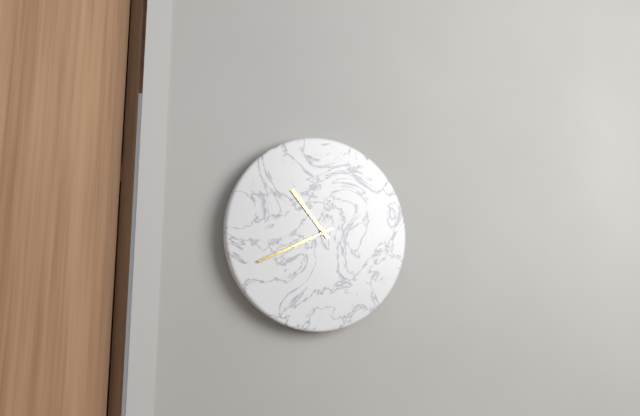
10:41
